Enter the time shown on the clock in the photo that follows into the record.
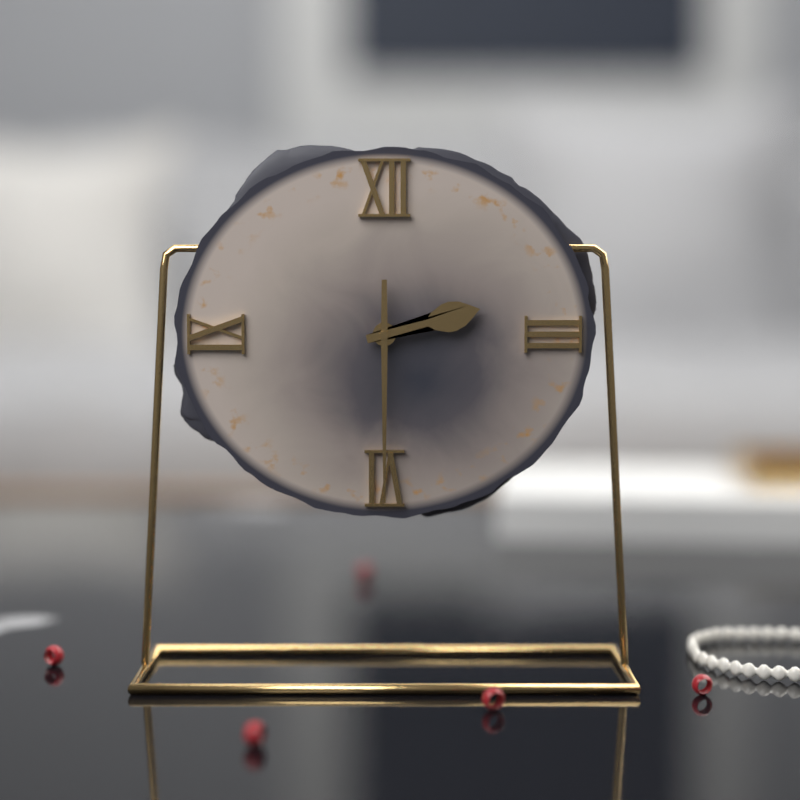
2:30
